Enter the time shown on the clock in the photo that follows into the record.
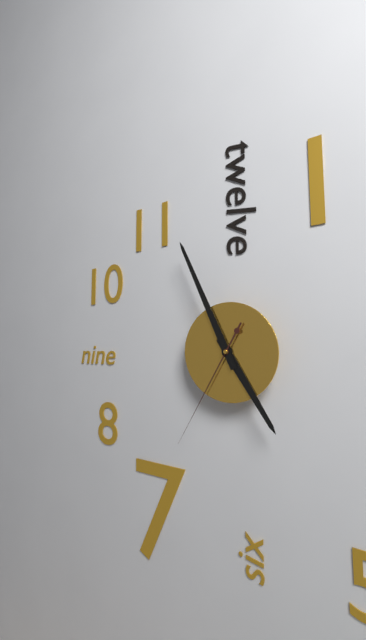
4:56:35
